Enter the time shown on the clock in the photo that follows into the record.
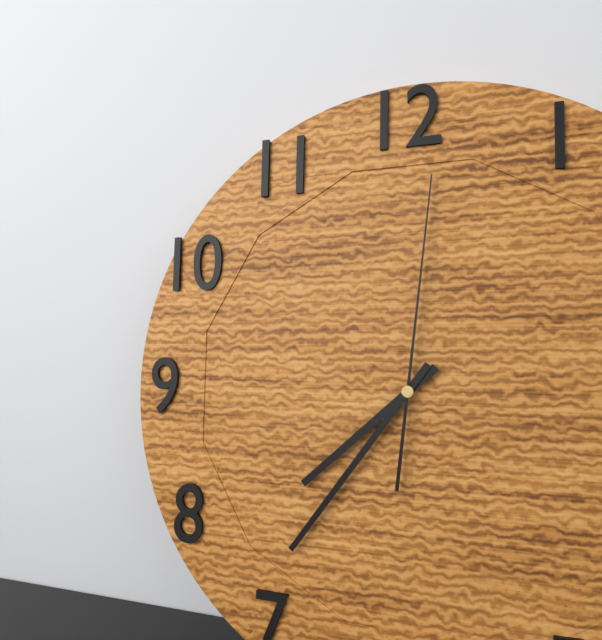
7:36:01
